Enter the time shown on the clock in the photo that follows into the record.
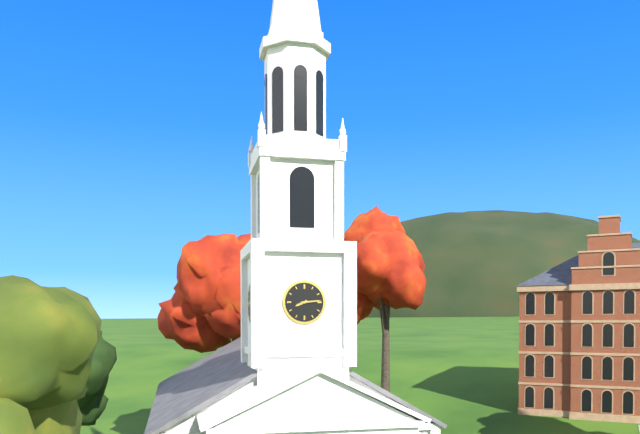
8:14
